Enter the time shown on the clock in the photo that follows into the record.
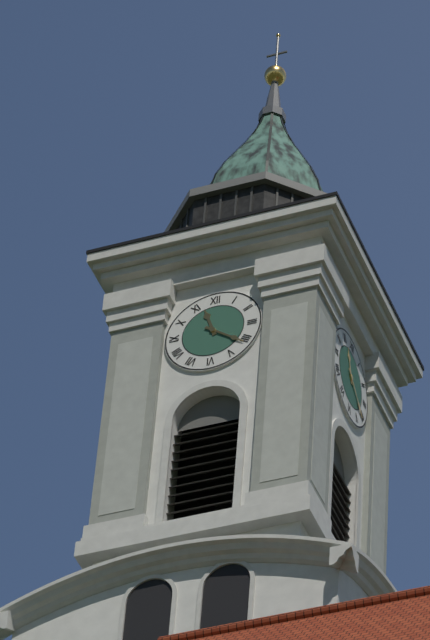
11:21
